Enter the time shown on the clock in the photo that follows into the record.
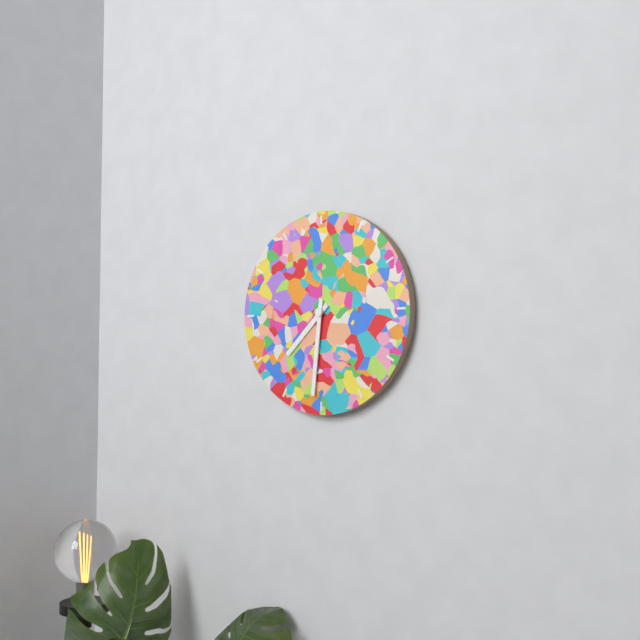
7:31
